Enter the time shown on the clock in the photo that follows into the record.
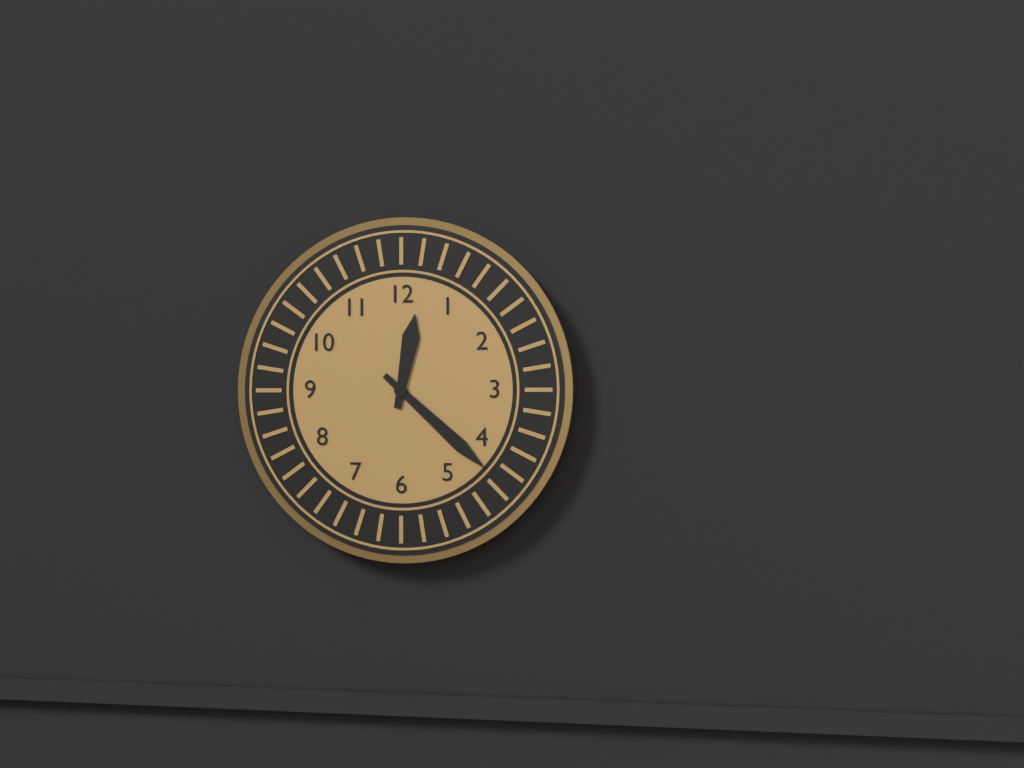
12:22
